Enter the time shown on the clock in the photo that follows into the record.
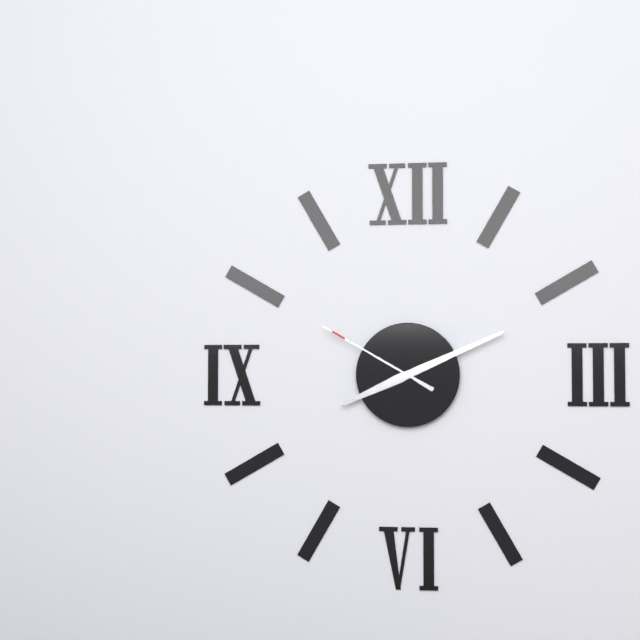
8:11:50
